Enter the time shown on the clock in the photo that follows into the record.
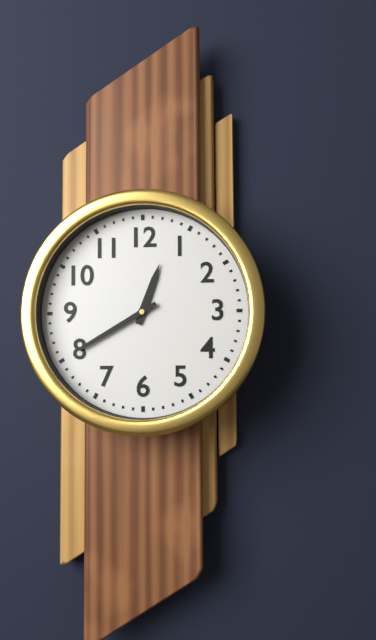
12:40
